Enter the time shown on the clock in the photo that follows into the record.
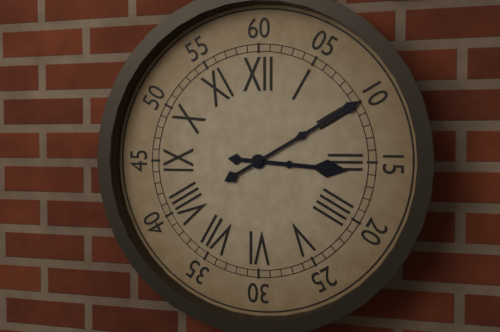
3:10
